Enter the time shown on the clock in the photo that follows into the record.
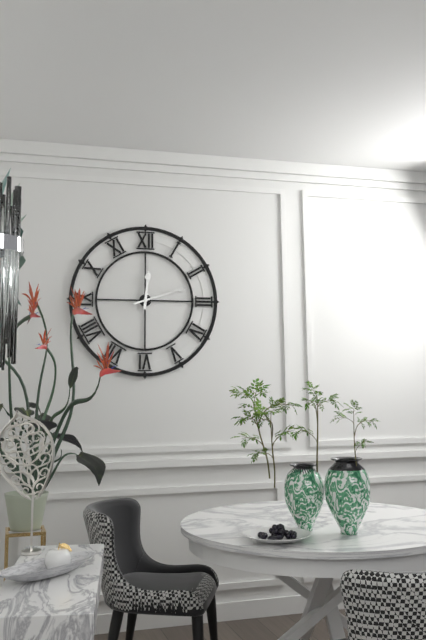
12:12
